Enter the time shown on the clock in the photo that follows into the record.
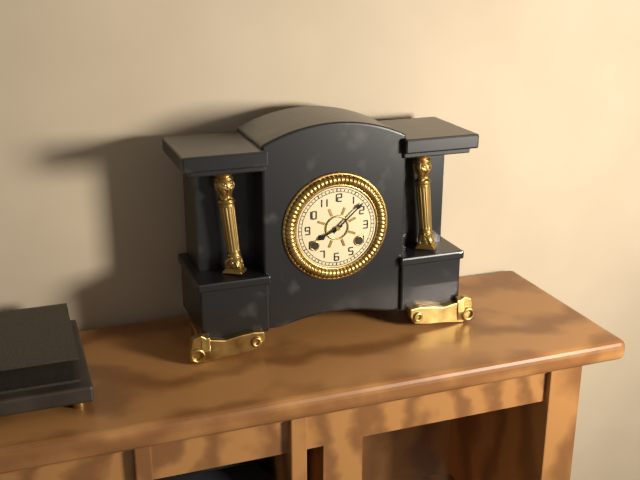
8:08
